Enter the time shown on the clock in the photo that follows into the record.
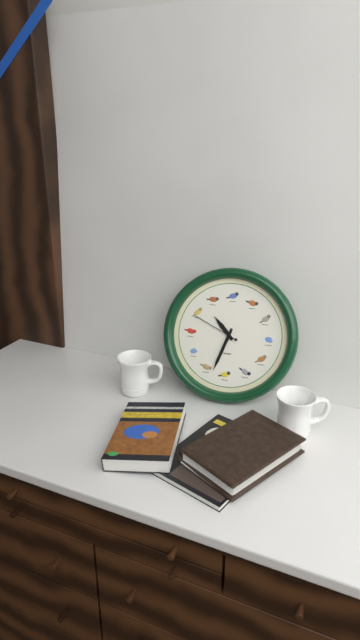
10:33:49
